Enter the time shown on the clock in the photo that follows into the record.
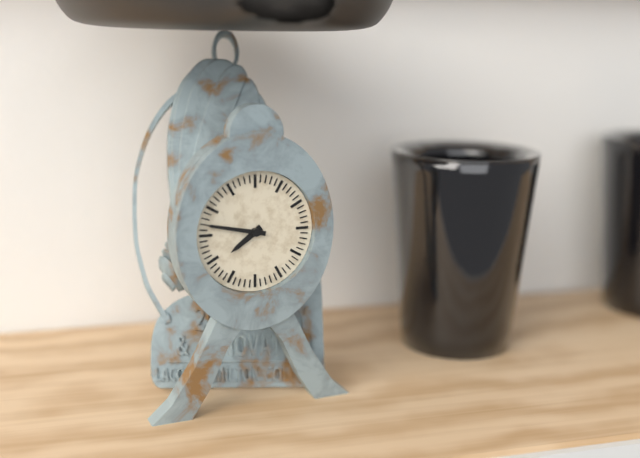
7:47
